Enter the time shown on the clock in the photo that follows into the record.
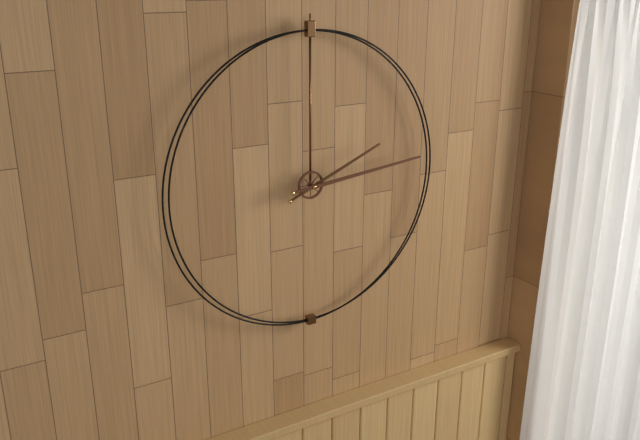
2:14
